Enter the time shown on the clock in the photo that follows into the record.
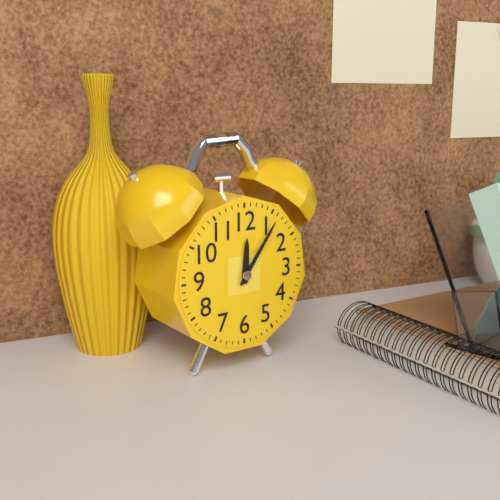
12:06
